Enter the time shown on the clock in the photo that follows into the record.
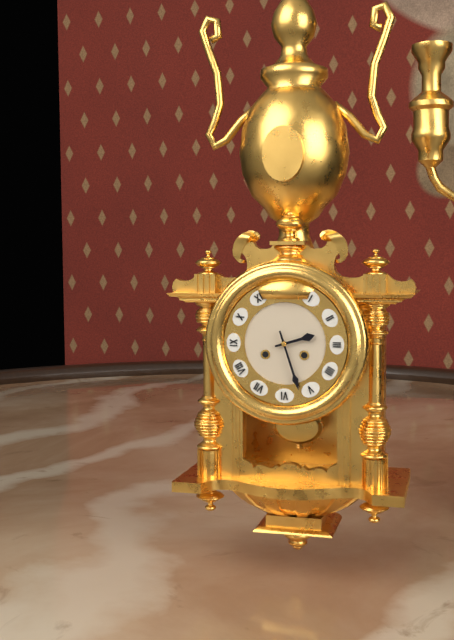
2:27
